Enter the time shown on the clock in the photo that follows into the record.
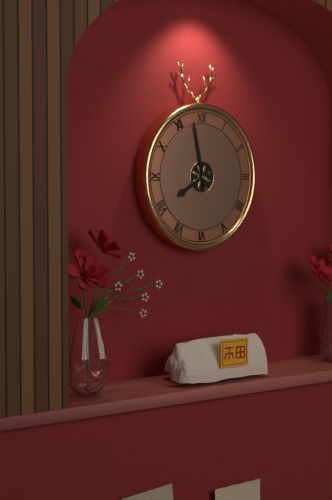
7:58
